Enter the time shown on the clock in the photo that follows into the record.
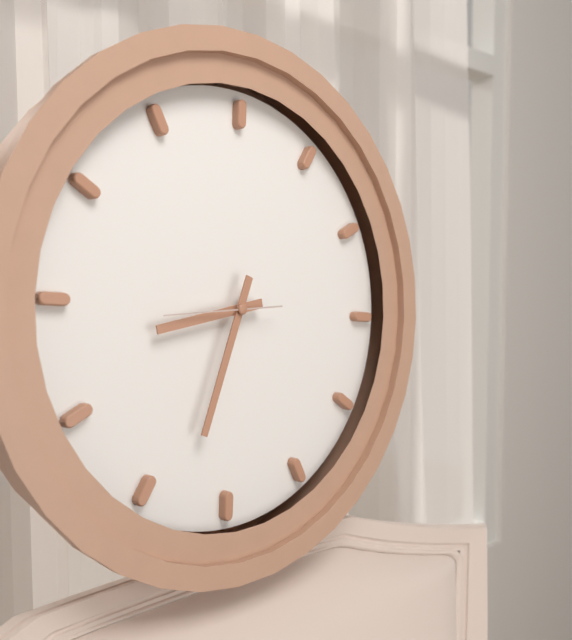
8:33:44
